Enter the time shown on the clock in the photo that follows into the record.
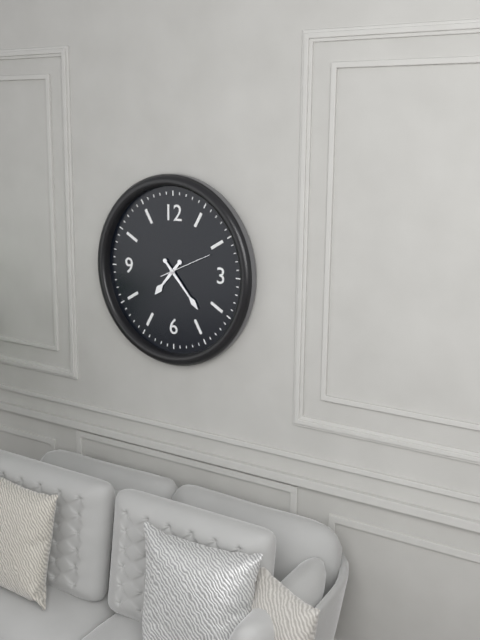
7:23
